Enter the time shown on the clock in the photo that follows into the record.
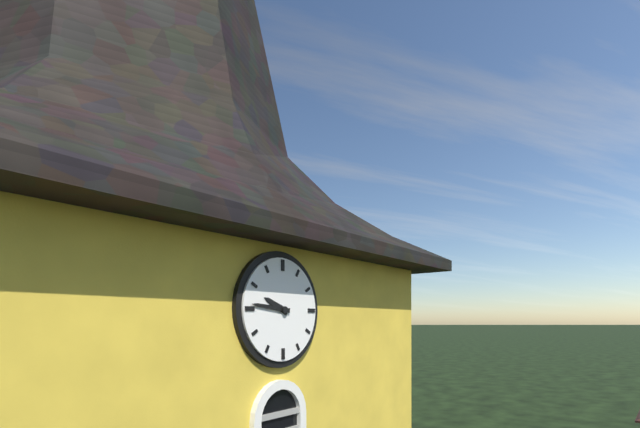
9:46
